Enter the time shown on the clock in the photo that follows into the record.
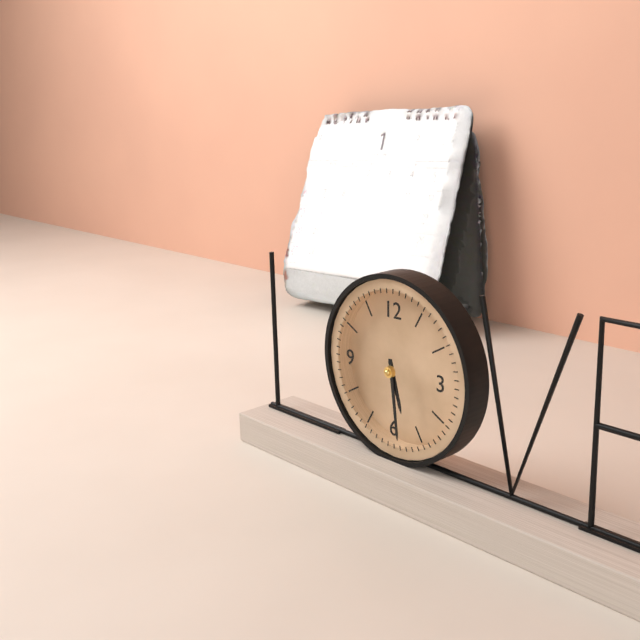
5:29
